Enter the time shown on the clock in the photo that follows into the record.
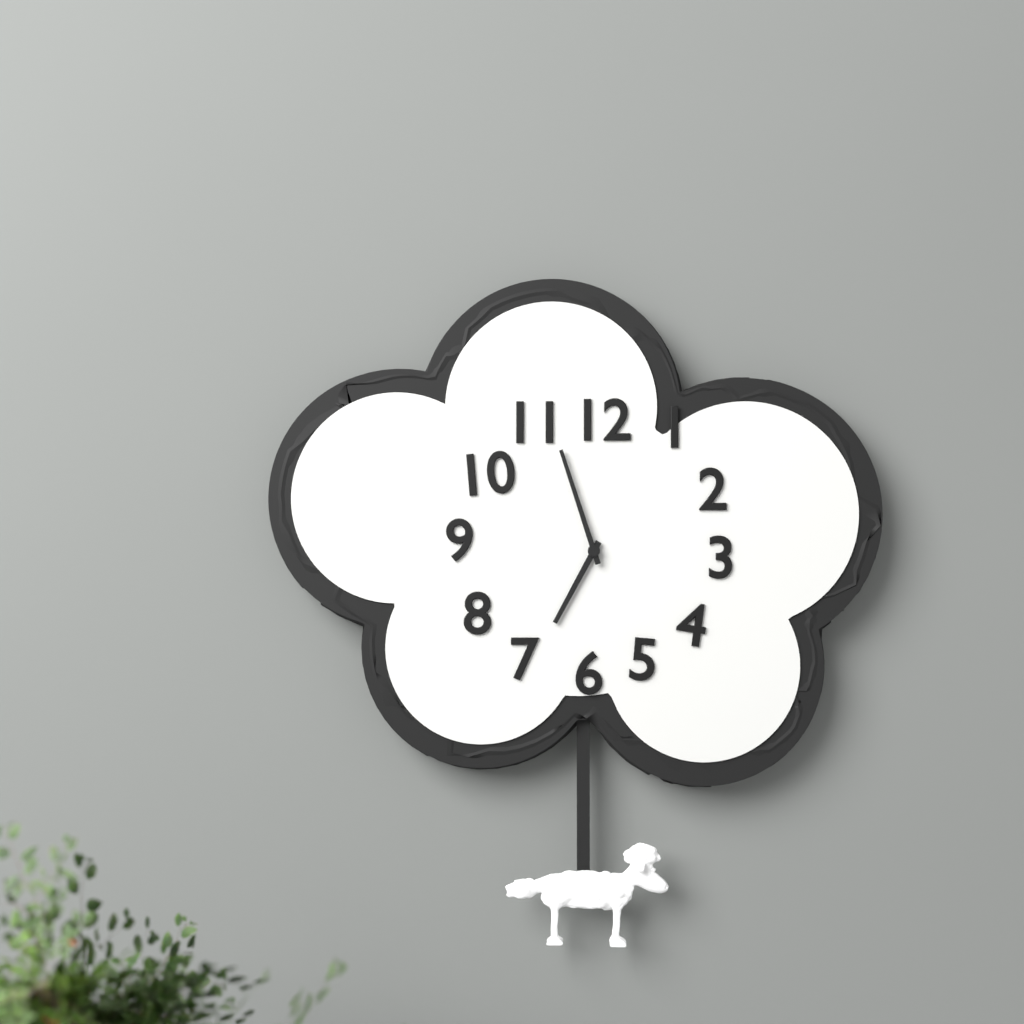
6:57
